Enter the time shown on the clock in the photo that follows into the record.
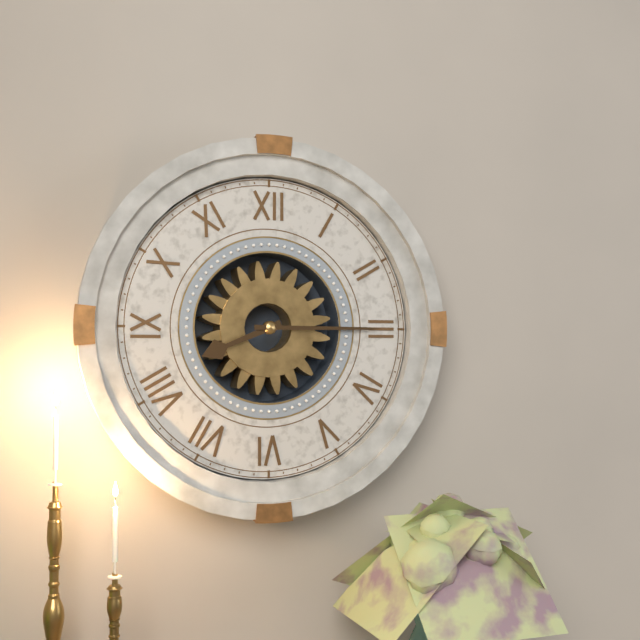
8:15
